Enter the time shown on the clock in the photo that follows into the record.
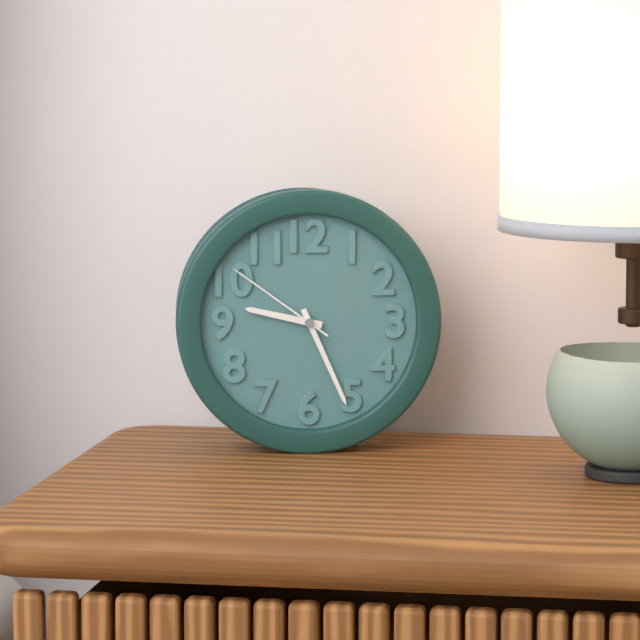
9:26:51
